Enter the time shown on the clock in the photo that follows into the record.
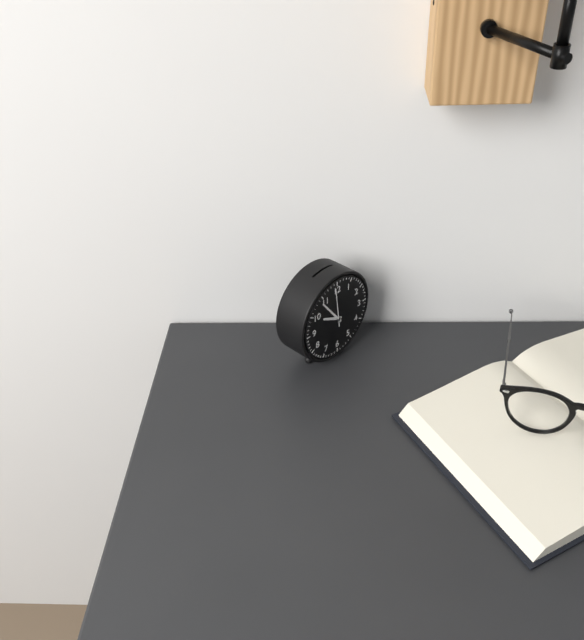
9:54
